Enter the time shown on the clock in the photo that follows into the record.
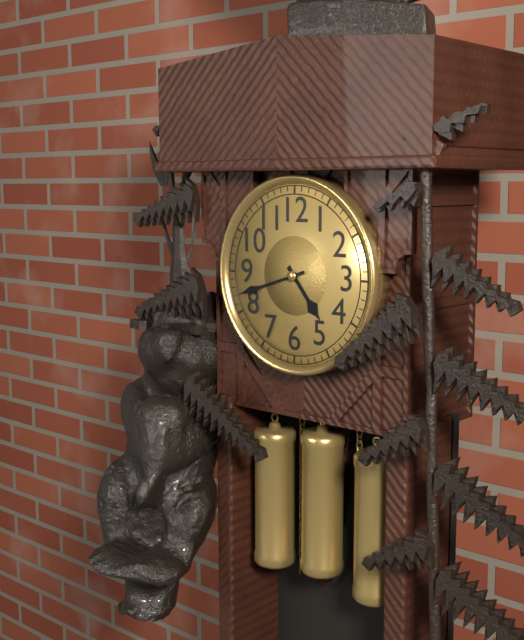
4:42
